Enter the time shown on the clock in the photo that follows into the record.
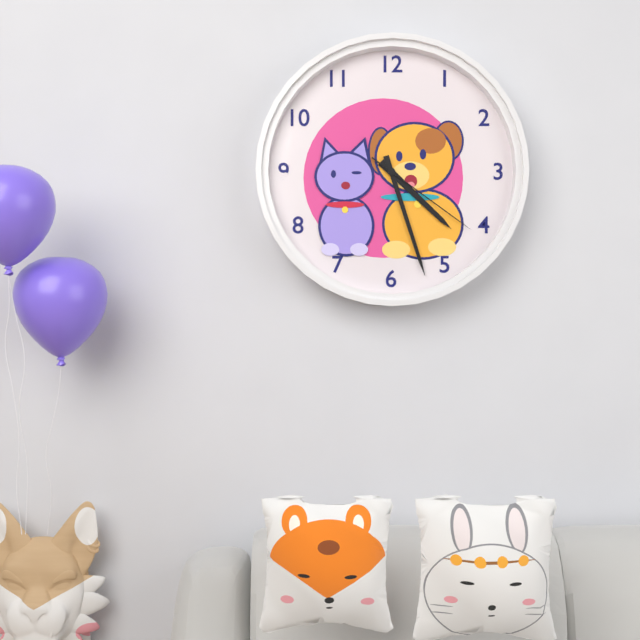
4:27:21
